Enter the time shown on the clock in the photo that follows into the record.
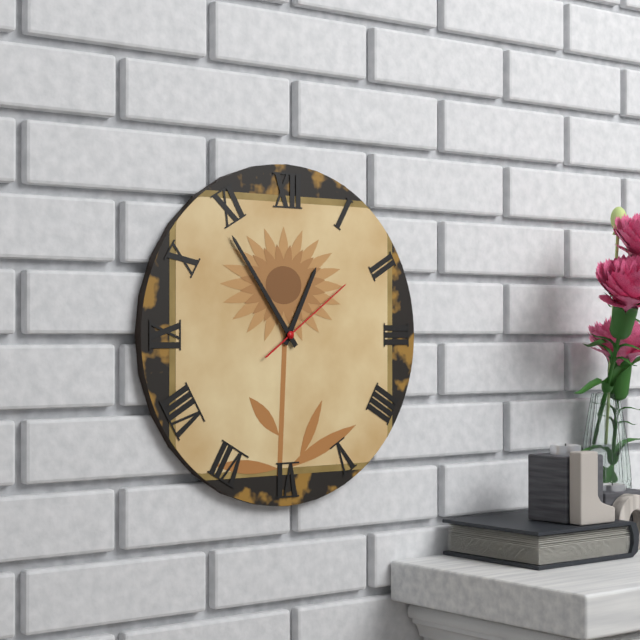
12:54:09
